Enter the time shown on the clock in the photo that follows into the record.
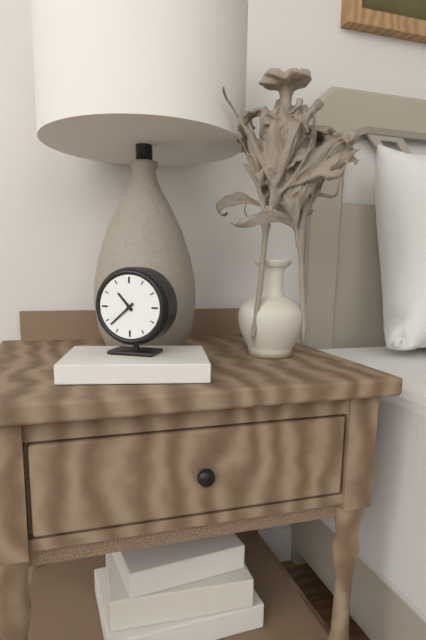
10:38
